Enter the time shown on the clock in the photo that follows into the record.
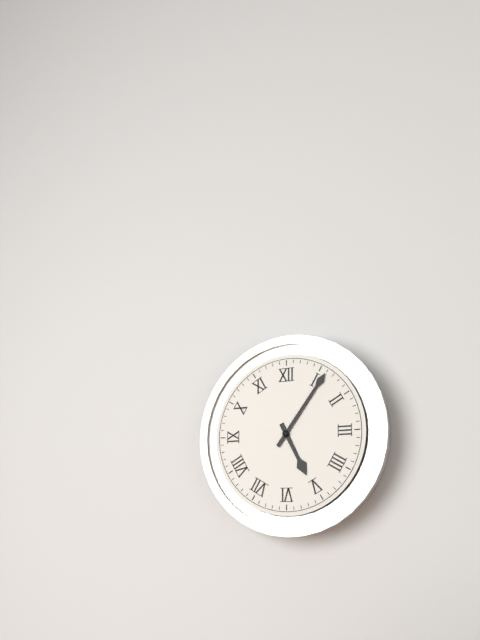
5:06
